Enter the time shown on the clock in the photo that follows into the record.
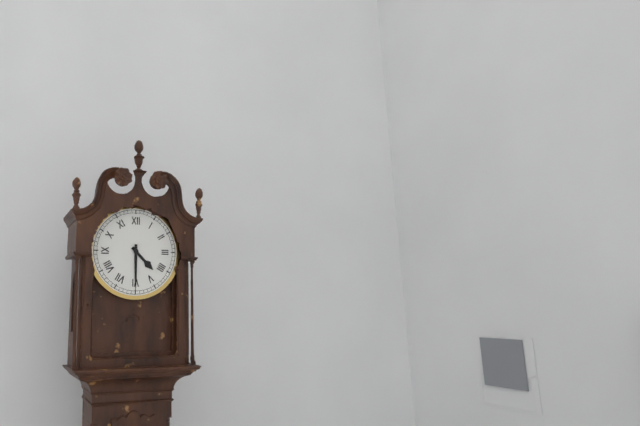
4:30
